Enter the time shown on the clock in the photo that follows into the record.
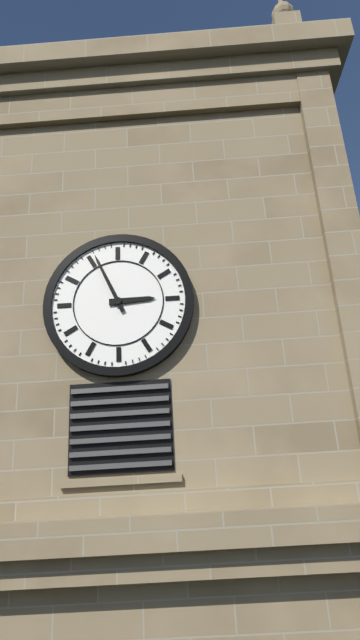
2:56
